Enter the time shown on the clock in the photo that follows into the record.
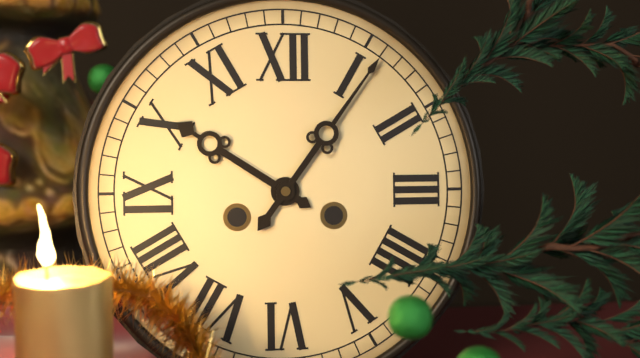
10:06
